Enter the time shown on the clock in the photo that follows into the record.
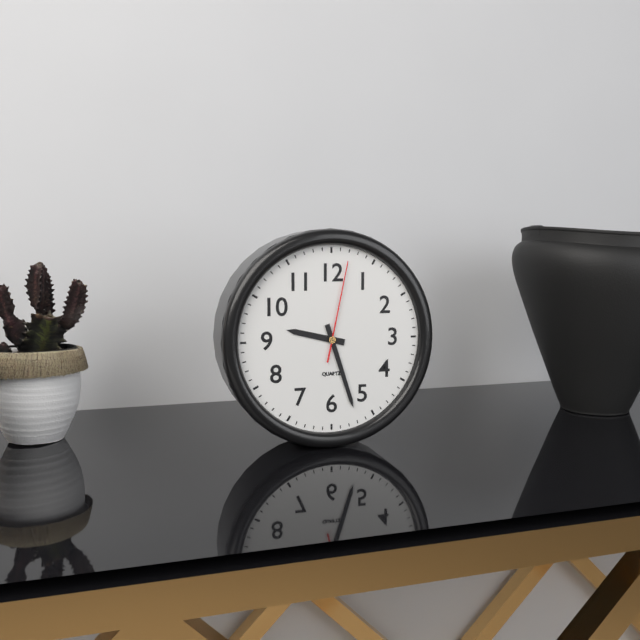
9:27:02
